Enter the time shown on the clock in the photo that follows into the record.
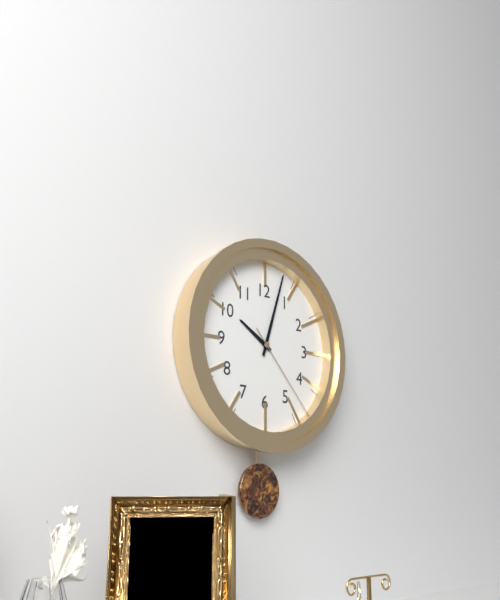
10:03:23
